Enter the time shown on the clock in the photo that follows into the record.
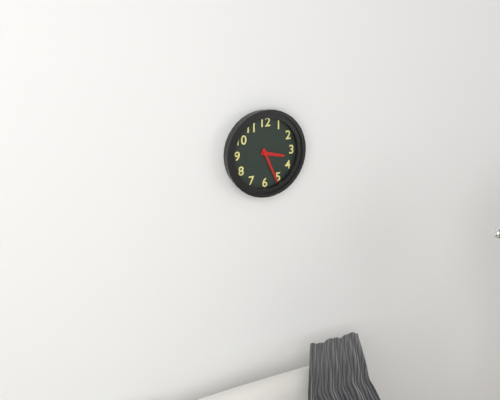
3:26
